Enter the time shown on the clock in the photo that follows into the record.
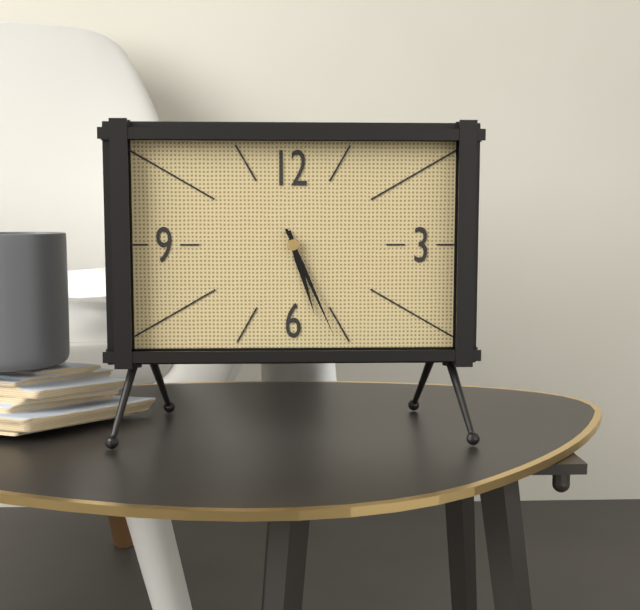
5:26
